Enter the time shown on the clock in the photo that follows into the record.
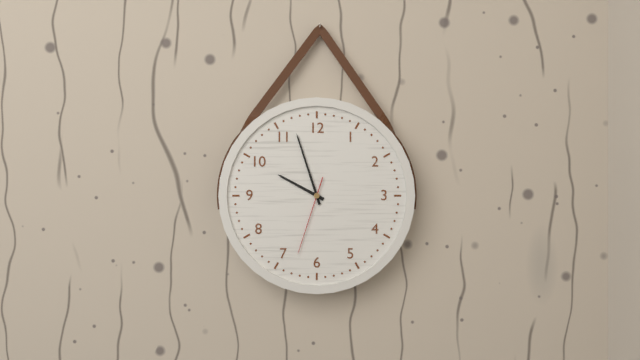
9:57:33
